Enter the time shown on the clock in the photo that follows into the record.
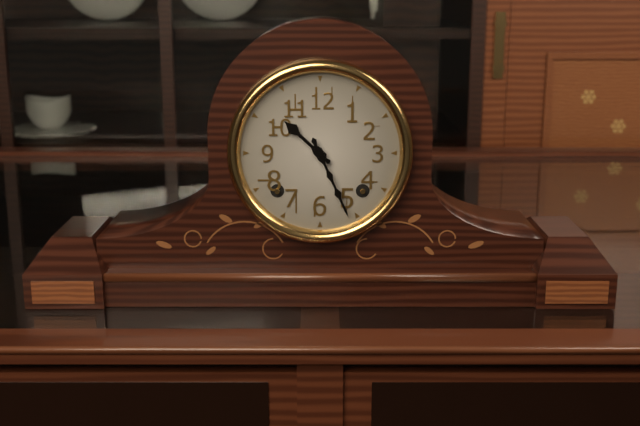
10:26
